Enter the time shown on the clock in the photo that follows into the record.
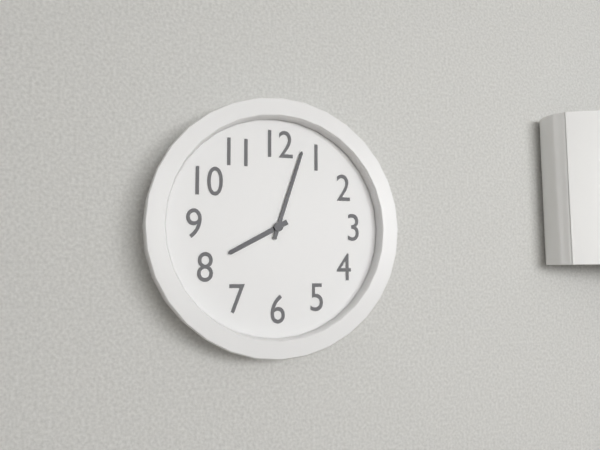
8:03
